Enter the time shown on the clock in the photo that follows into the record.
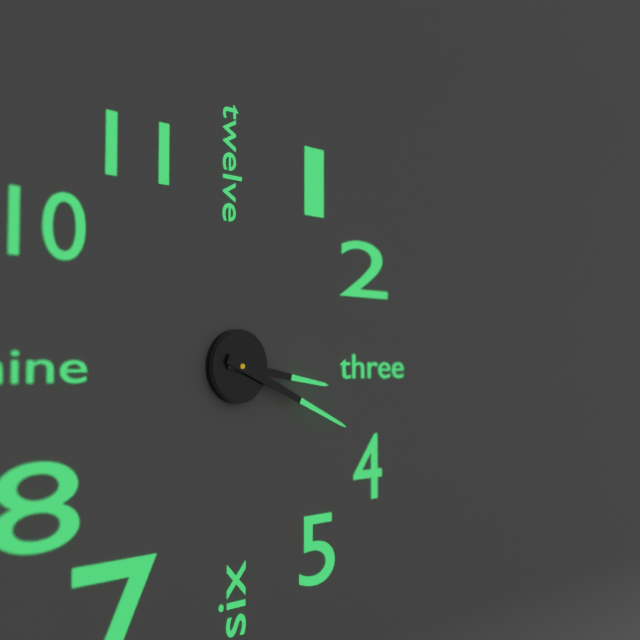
3:19
